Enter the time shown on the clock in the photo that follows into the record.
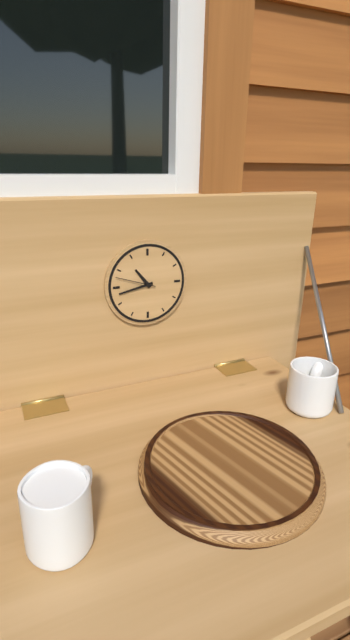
10:43
